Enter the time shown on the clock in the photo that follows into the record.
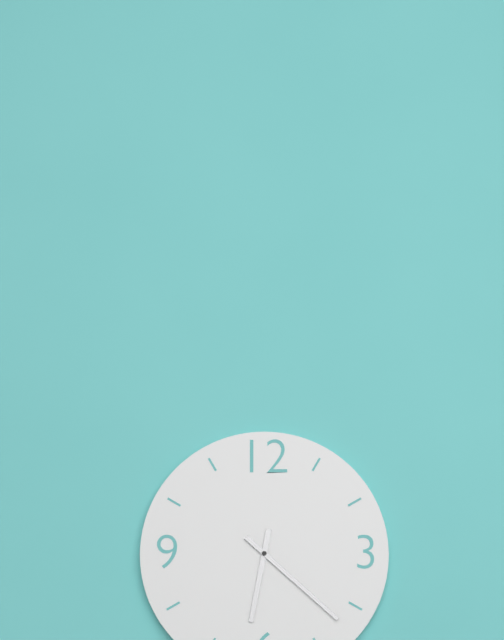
6:22
